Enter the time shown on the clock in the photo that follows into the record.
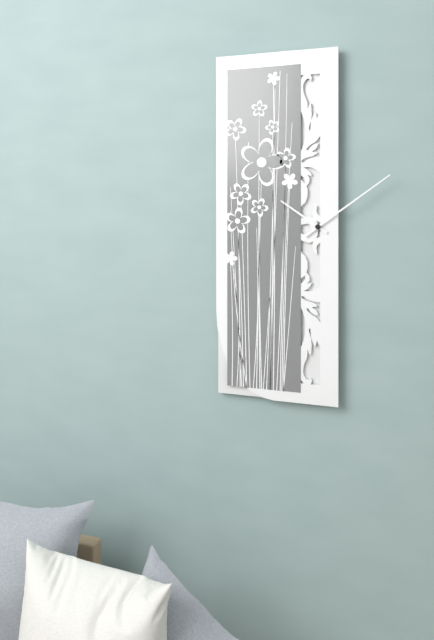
10:09
